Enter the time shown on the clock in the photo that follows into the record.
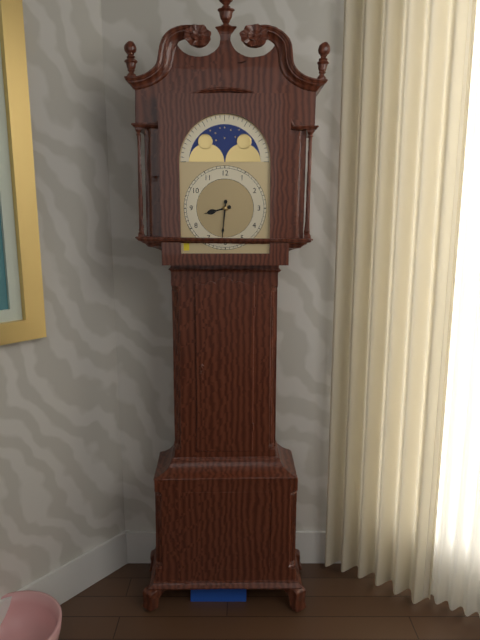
8:31
